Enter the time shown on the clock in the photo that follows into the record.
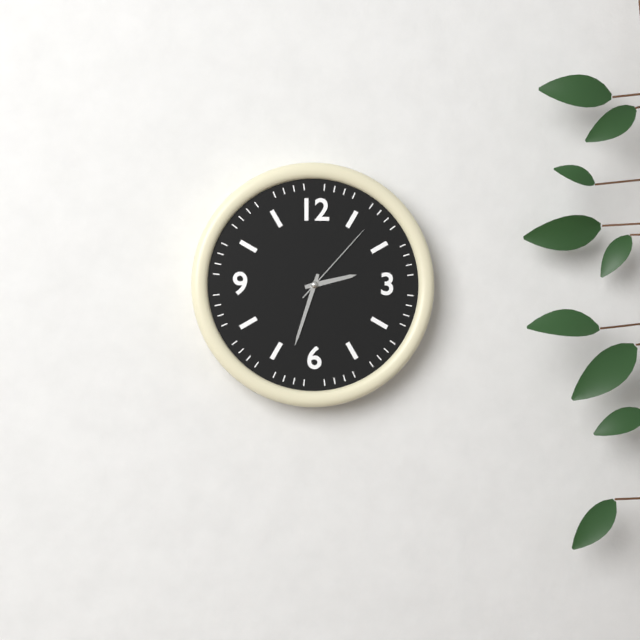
2:33:07
